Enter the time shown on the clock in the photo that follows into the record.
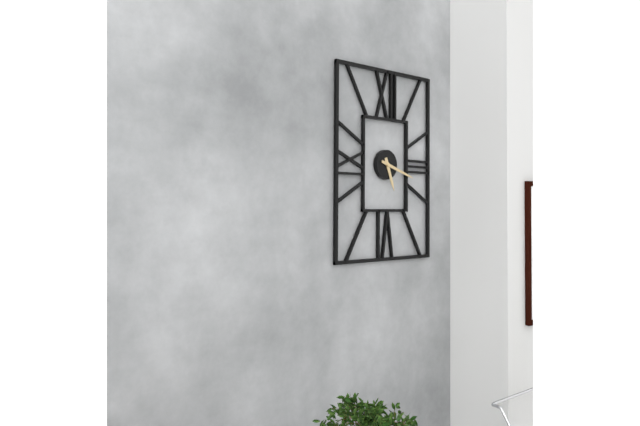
5:18
